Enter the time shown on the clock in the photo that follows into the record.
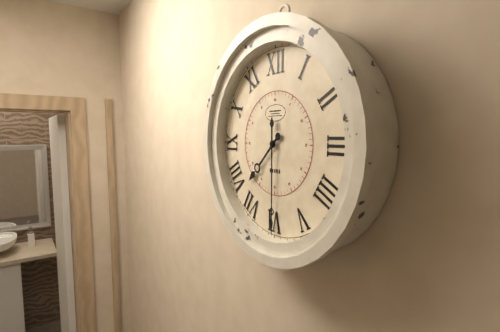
7:30
